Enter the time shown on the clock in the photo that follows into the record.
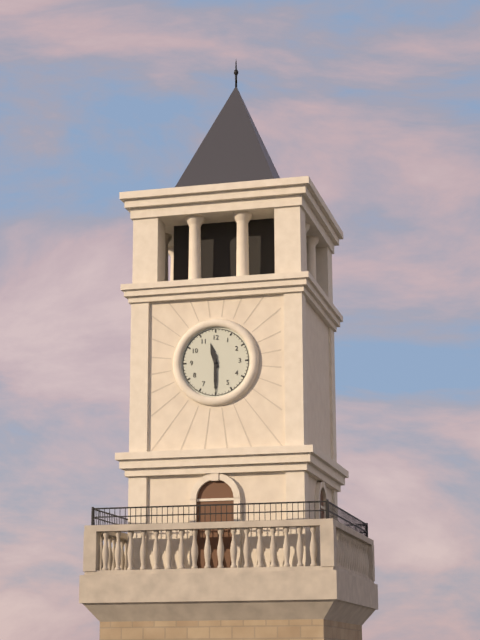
11:30
